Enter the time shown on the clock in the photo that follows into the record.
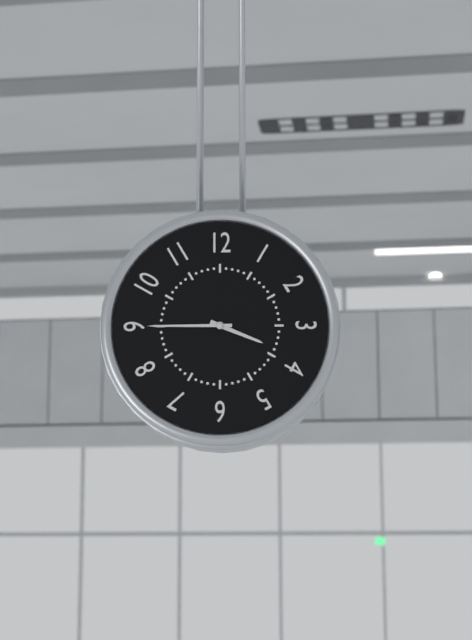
3:45
